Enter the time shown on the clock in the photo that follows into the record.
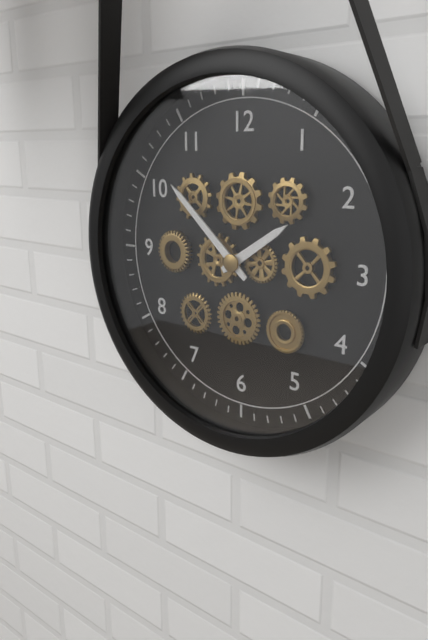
1:52
